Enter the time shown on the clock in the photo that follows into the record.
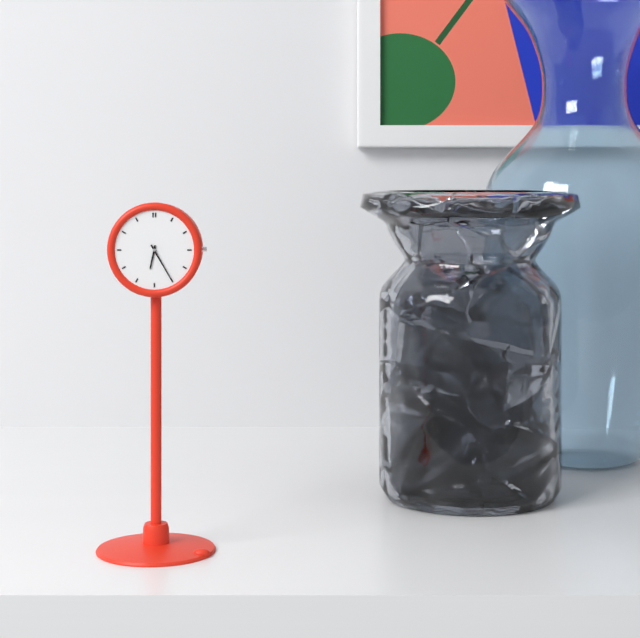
6:25
